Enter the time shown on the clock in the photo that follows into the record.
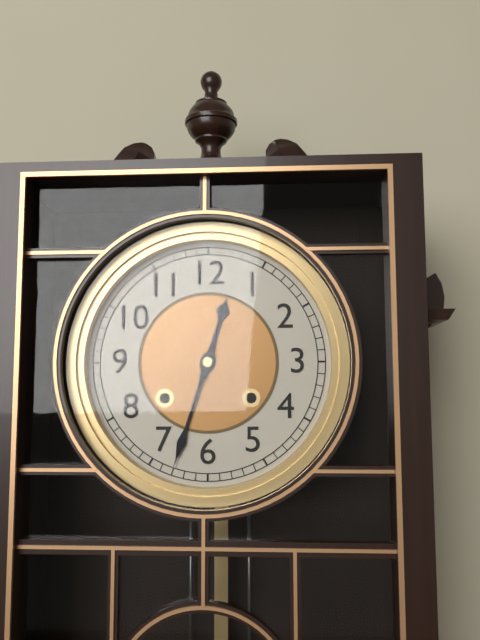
12:33
